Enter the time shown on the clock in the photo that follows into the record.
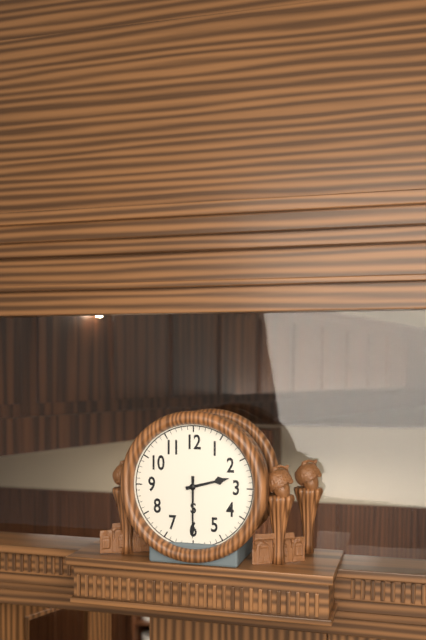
2:30
